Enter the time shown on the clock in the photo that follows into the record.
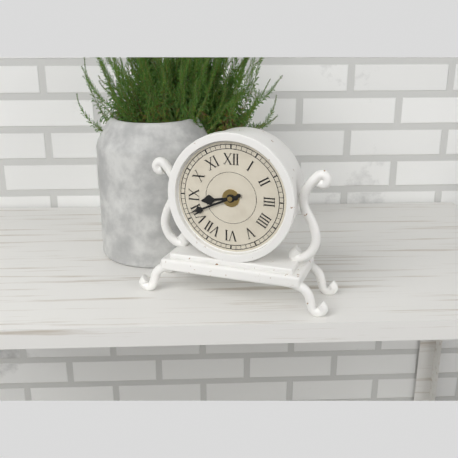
8:41
